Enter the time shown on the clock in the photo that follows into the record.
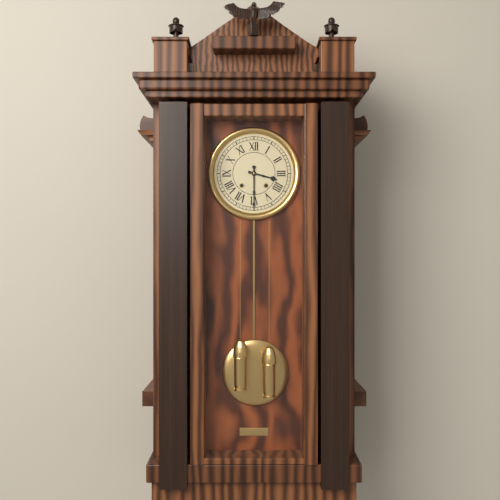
3:30
